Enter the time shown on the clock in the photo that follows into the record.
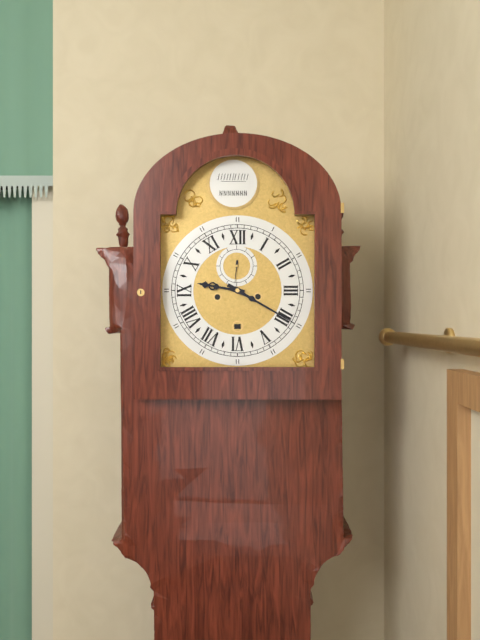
9:20
